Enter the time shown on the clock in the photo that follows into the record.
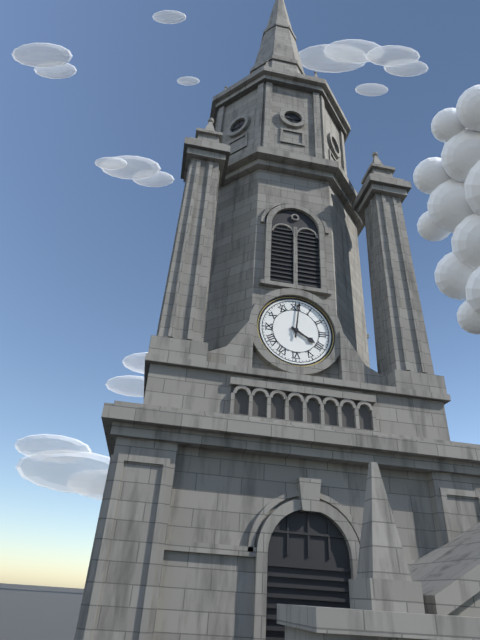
4:01
